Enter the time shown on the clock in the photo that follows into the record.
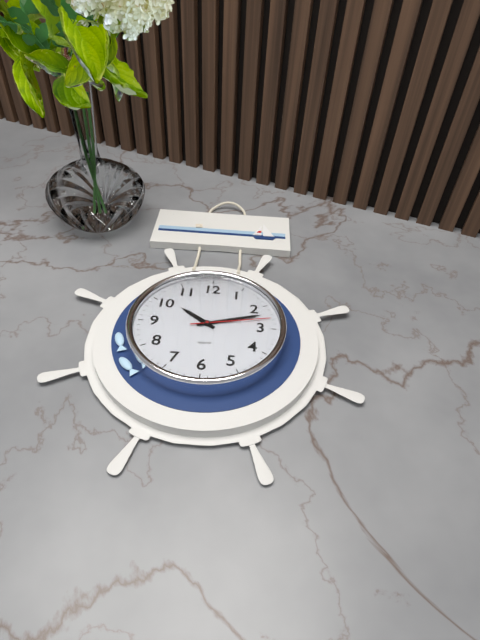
10:12:13
